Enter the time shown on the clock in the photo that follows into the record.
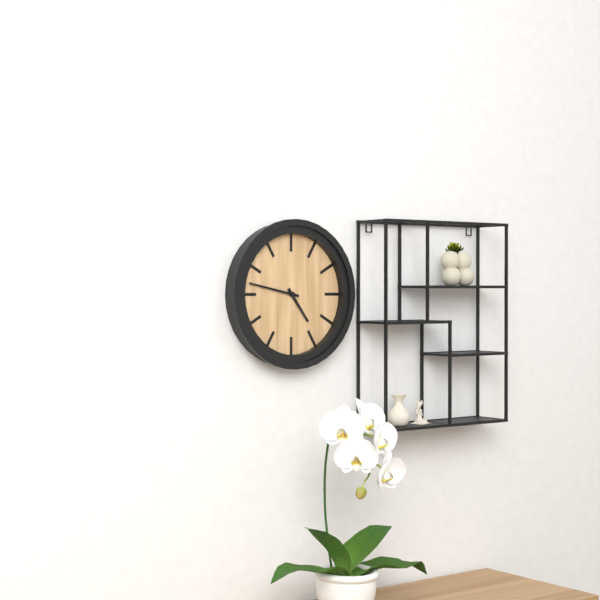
4:47
